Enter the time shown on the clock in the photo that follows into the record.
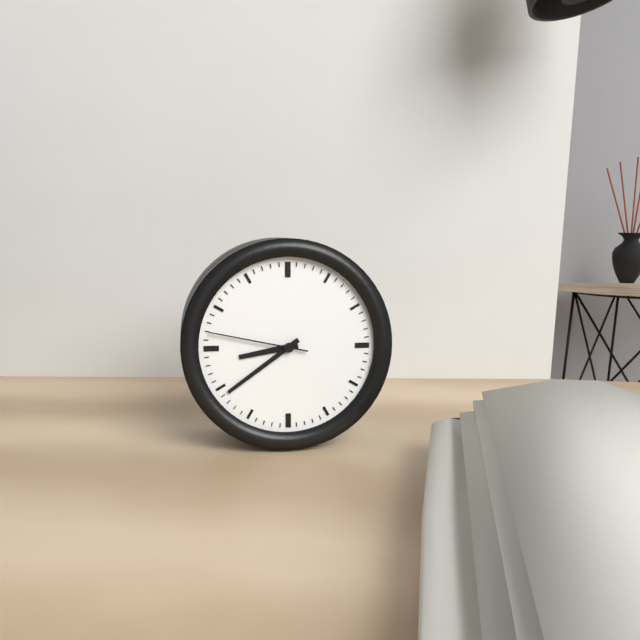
8:39:47
